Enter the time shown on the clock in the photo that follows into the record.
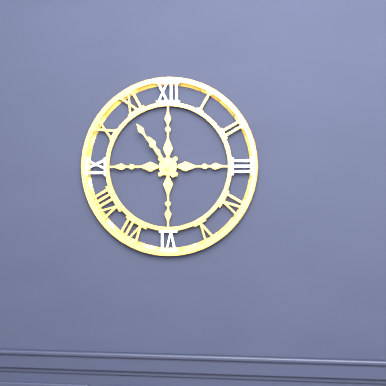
10:54
